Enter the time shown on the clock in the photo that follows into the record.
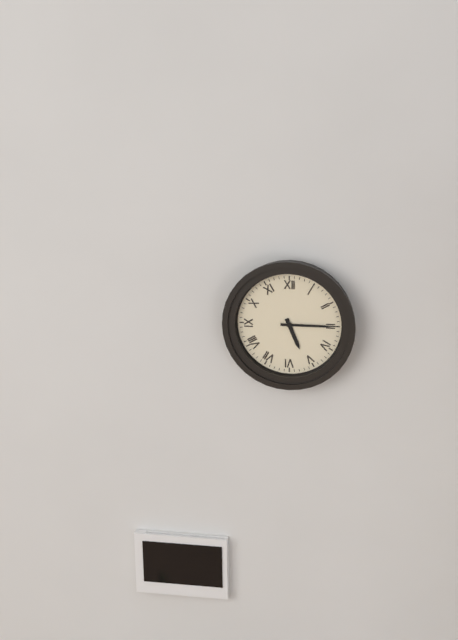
5:15
